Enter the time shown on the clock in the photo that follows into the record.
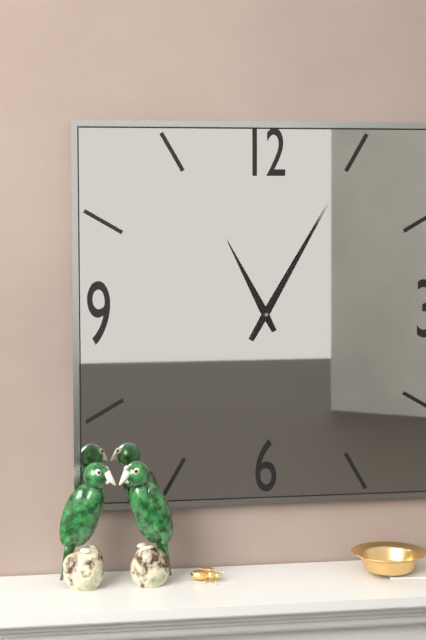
11:05
